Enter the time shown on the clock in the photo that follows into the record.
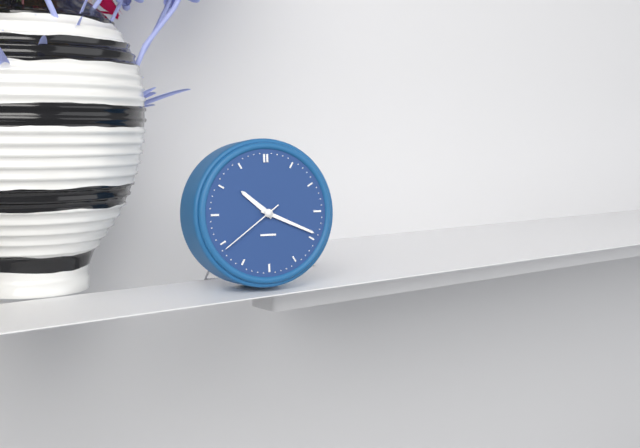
10:19:39
